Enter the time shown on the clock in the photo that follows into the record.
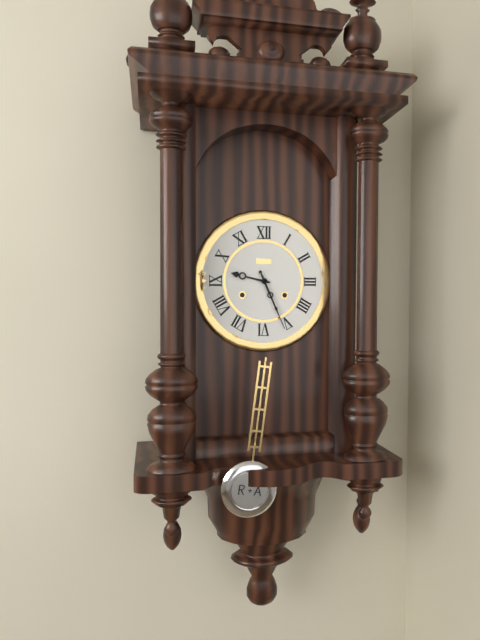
9:26
